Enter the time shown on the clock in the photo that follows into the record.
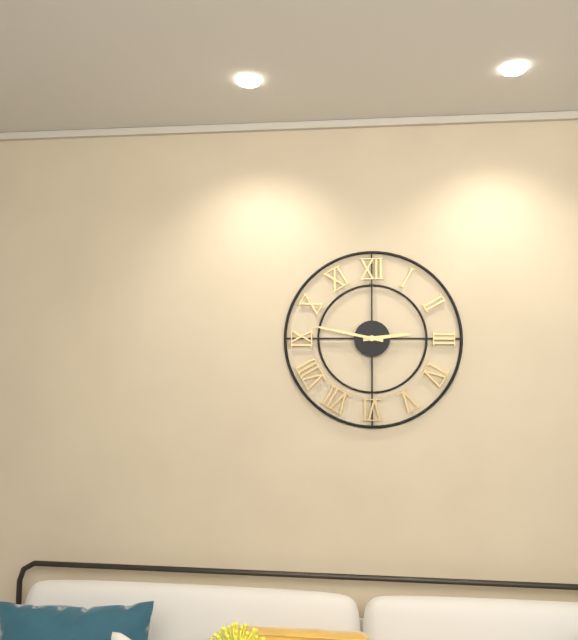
2:47
